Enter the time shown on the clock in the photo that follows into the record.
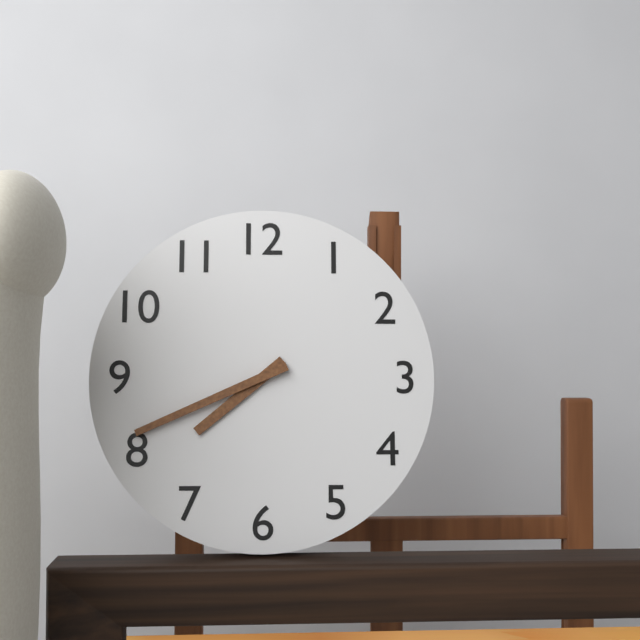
7:41
